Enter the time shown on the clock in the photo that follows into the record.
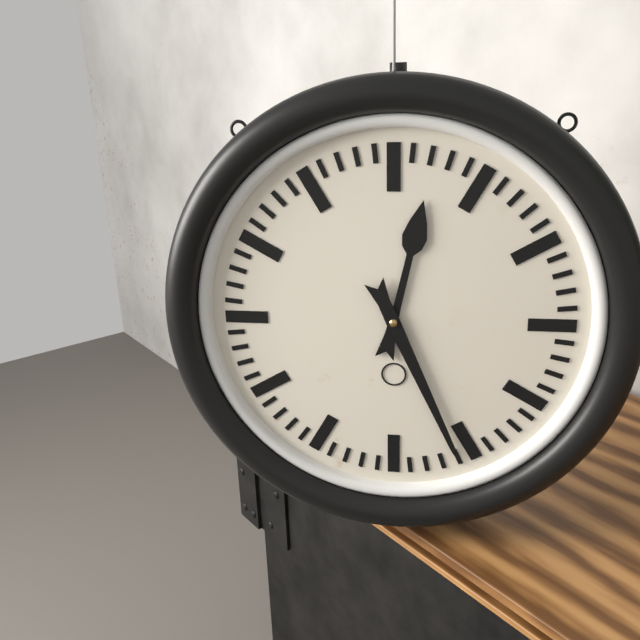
12:26
